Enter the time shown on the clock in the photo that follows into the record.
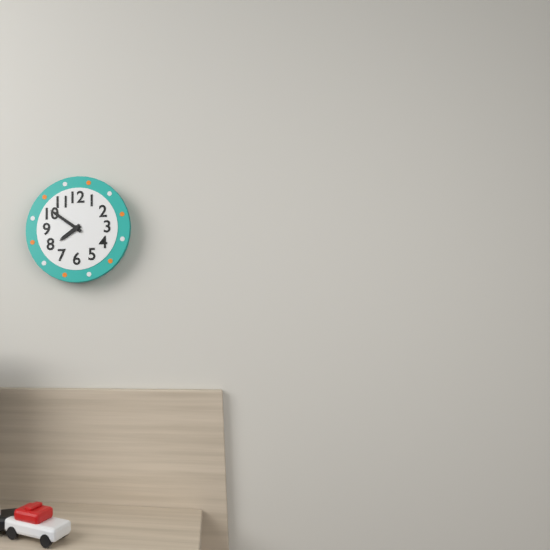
7:51
